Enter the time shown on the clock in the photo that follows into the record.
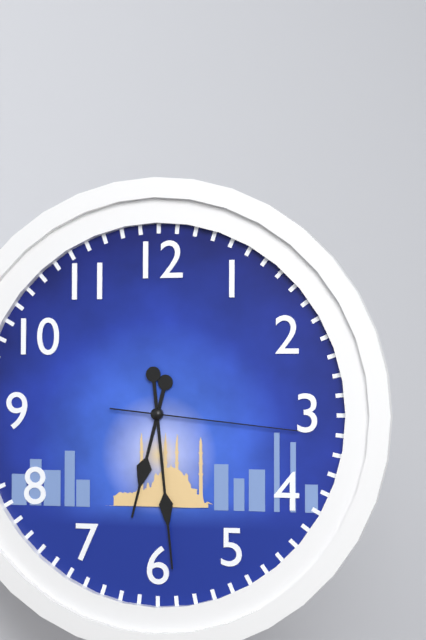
6:29:16
